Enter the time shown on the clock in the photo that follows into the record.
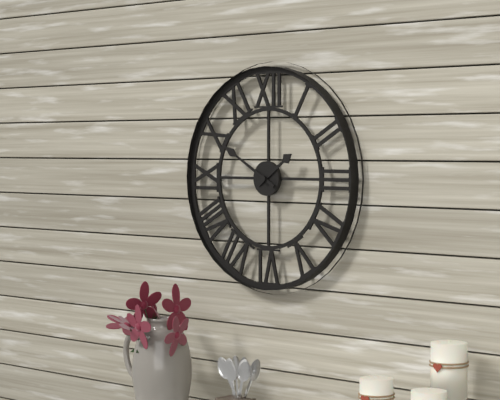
1:50
